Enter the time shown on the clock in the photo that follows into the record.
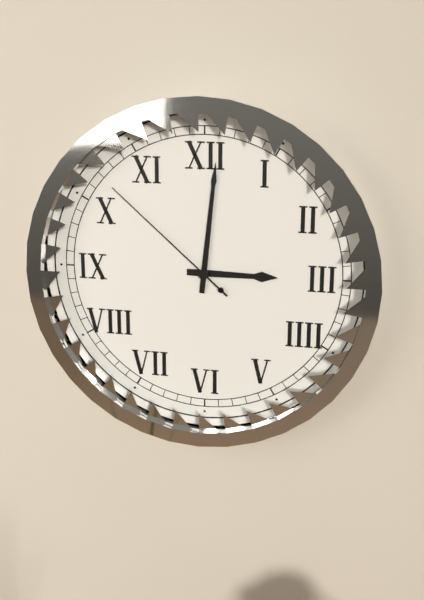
3:01:52
